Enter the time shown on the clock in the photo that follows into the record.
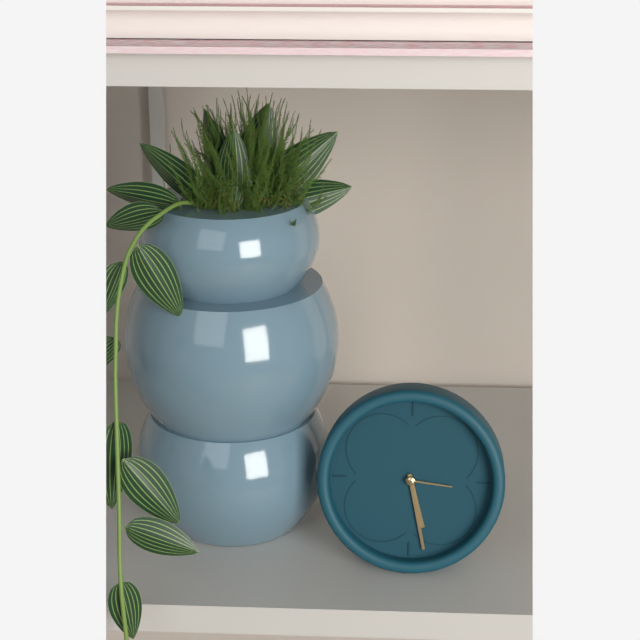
5:28:16
